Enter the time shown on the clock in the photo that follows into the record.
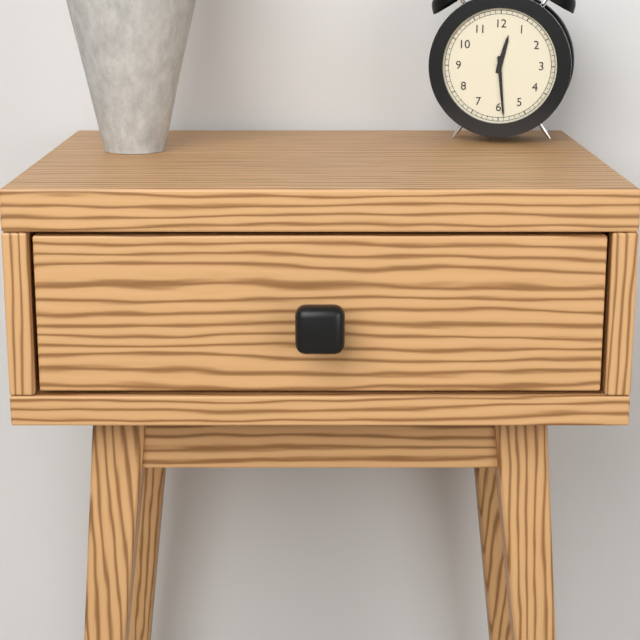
12:29
